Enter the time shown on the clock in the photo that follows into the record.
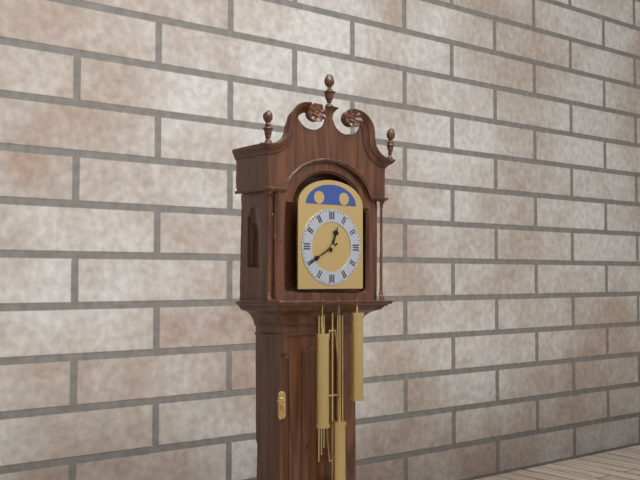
12:40
